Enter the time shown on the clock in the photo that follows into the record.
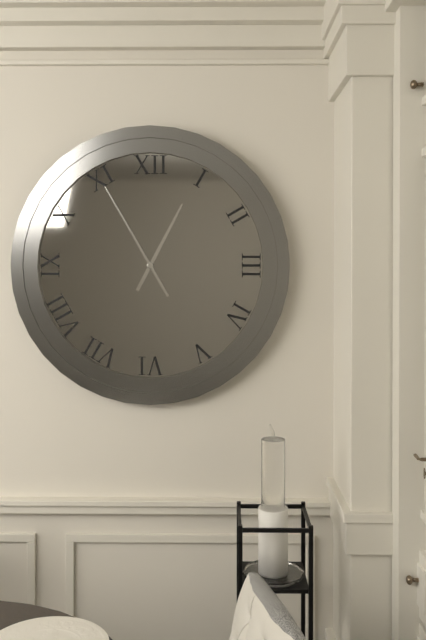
12:55
